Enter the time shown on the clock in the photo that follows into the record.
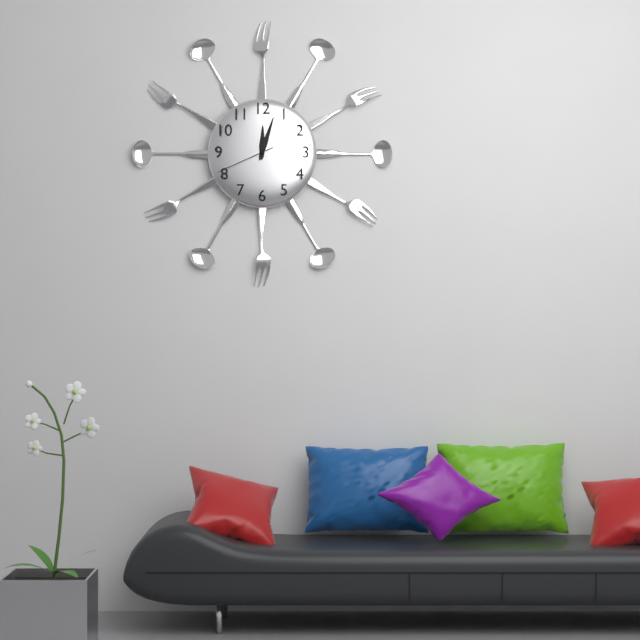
12:03:41
